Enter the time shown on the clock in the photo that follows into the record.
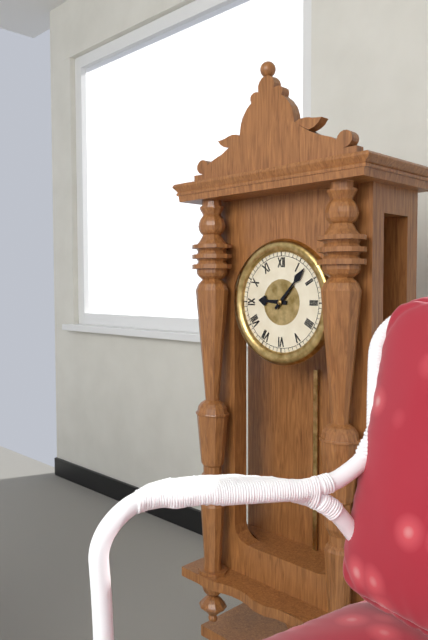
9:07
